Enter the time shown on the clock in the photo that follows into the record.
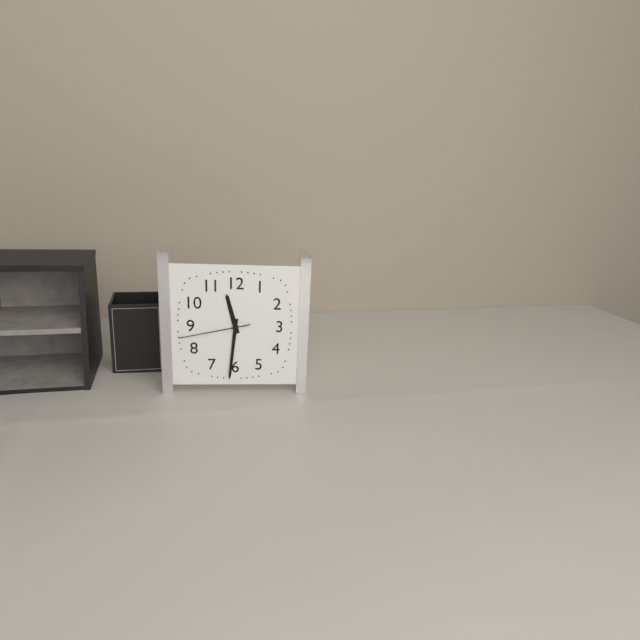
11:31:43
